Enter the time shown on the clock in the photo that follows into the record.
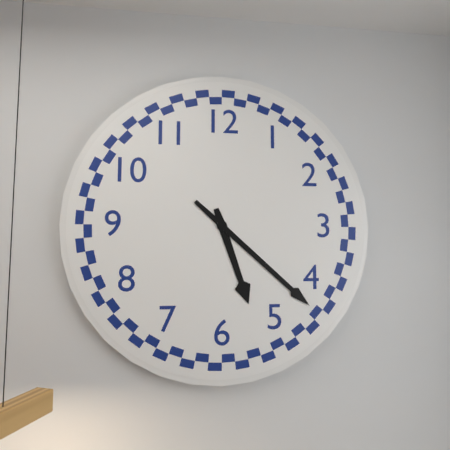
5:22
